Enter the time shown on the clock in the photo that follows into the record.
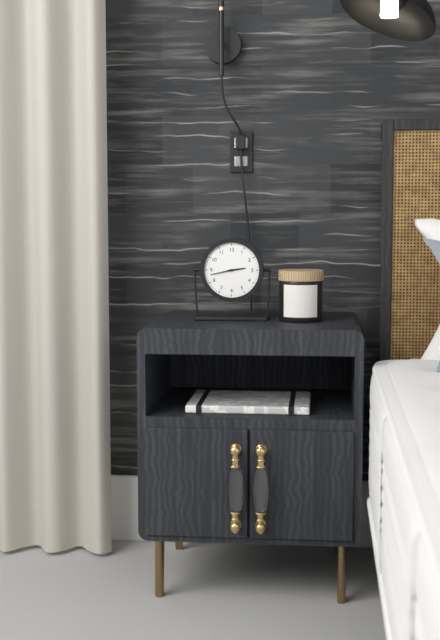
2:43
